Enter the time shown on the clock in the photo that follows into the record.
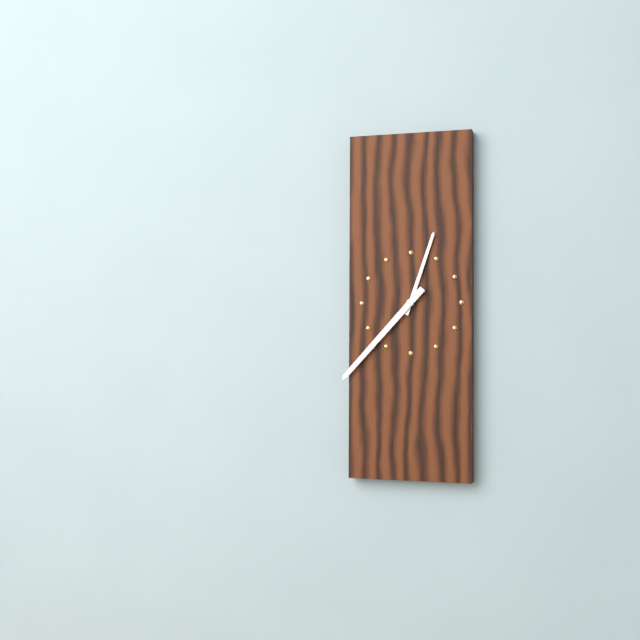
12:37
